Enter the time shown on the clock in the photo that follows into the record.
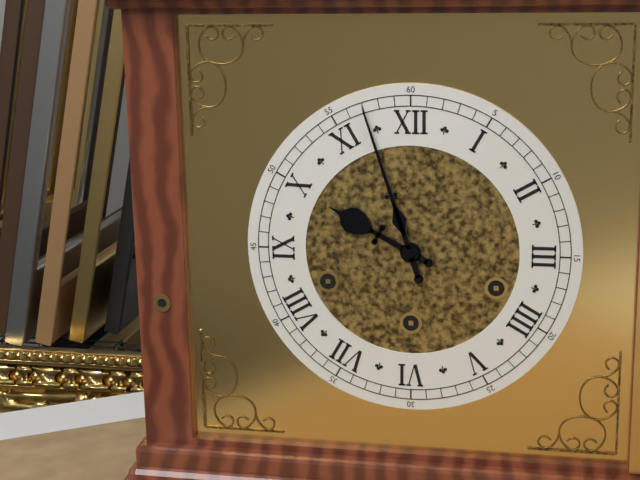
9:57
